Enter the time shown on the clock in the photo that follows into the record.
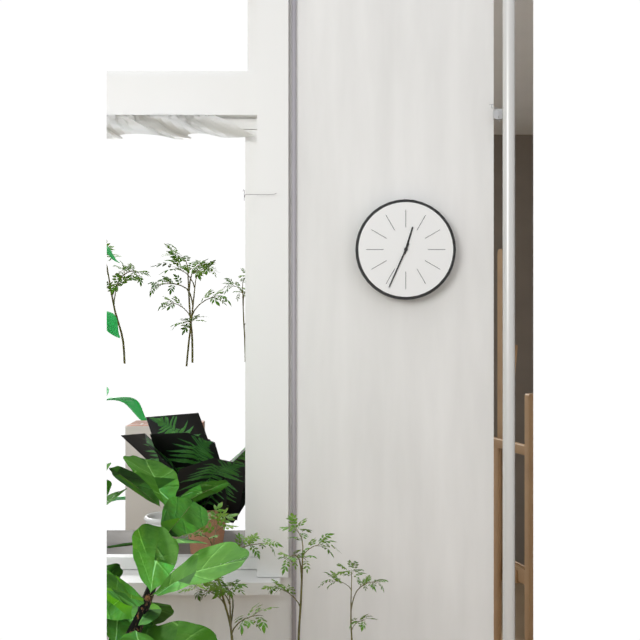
12:34
